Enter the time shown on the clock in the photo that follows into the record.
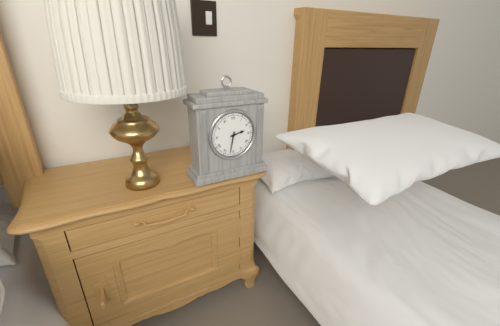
2:32
